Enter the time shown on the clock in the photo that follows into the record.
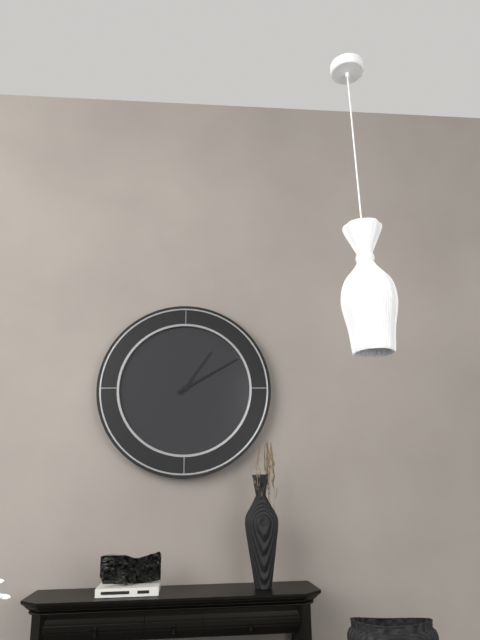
1:10
